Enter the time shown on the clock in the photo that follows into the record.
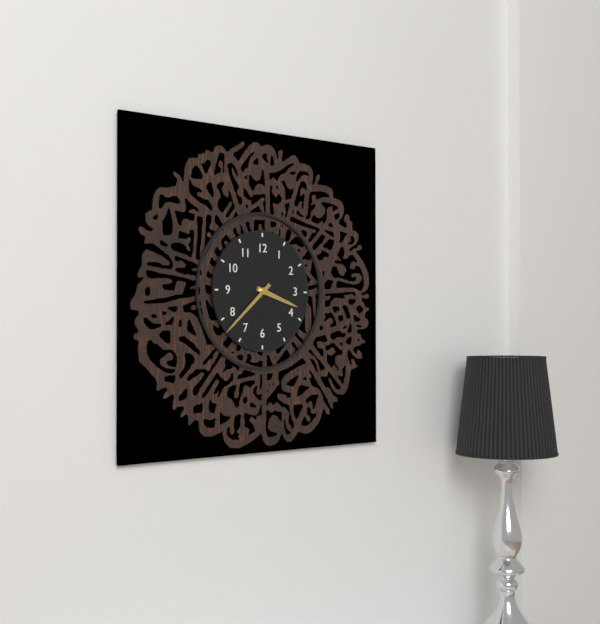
3:38
